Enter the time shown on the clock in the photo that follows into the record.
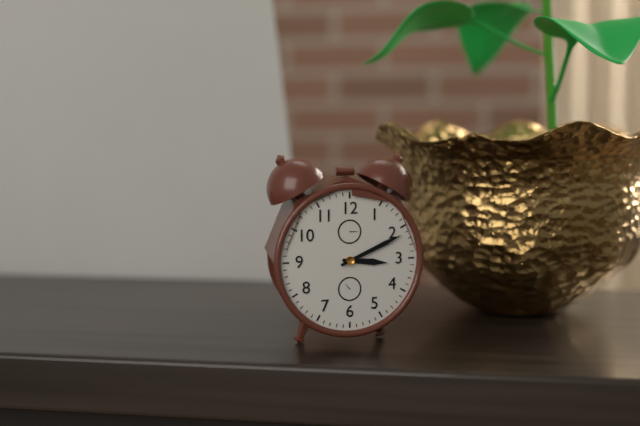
3:11
